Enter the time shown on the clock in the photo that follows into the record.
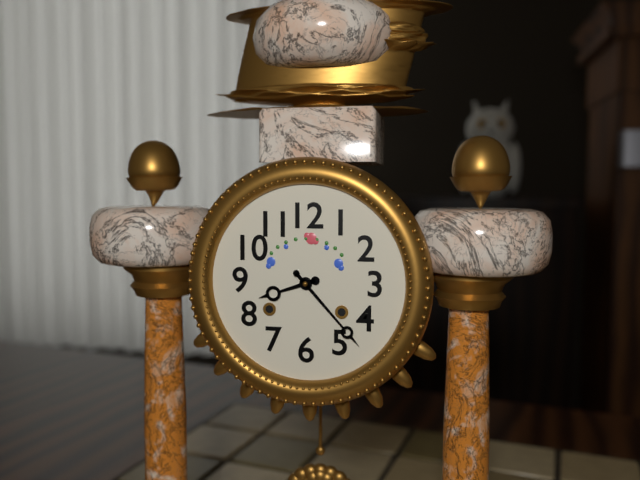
8:23
